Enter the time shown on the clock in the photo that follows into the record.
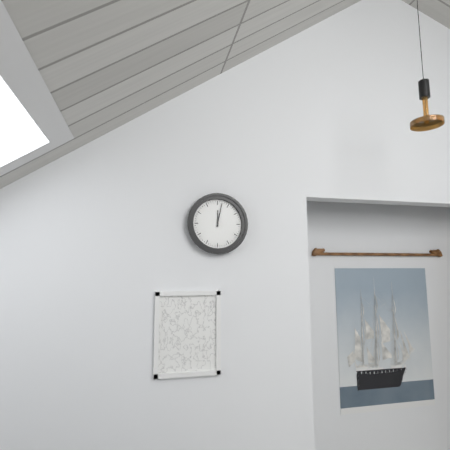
12:02
